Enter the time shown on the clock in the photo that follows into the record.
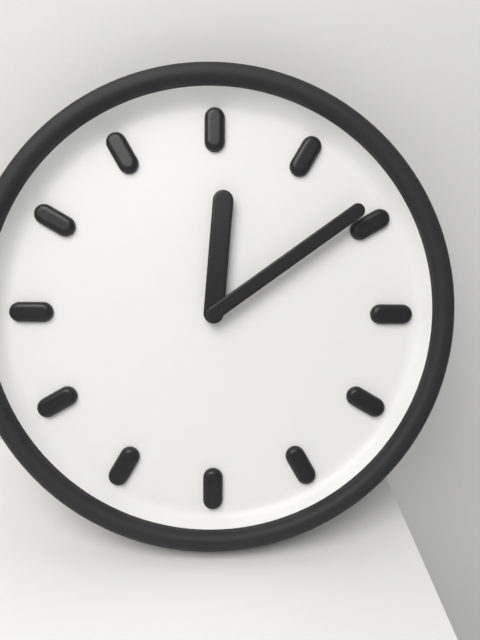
12:09
